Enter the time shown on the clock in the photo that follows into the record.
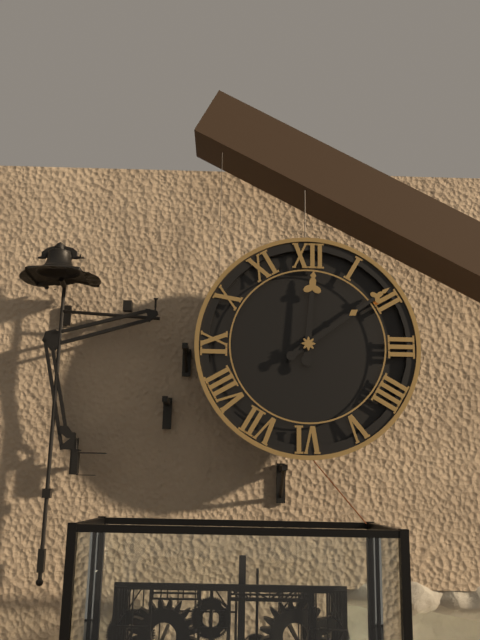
12:09
